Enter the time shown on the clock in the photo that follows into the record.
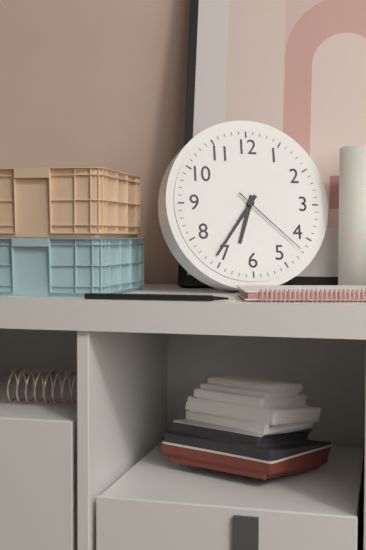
6:36:22
